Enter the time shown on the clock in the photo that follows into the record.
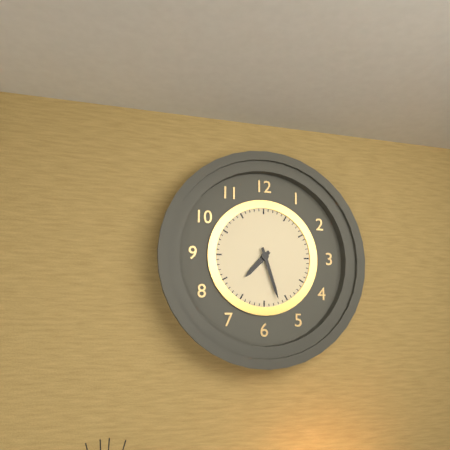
7:27
